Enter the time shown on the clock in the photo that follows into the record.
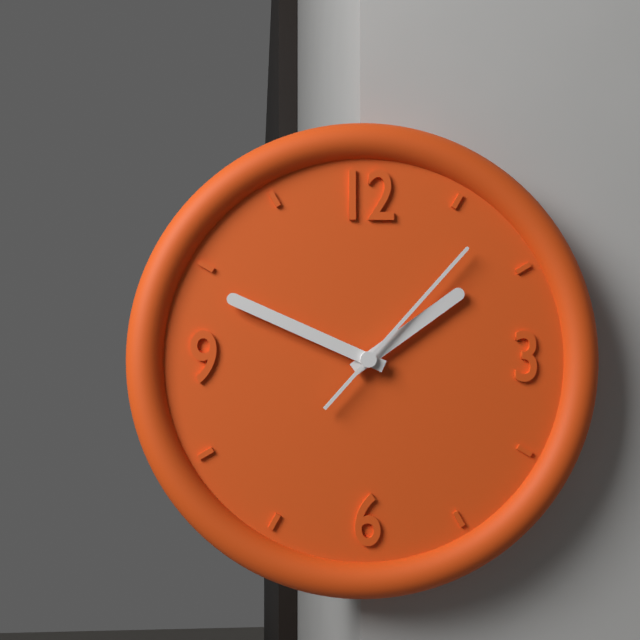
1:49:07
